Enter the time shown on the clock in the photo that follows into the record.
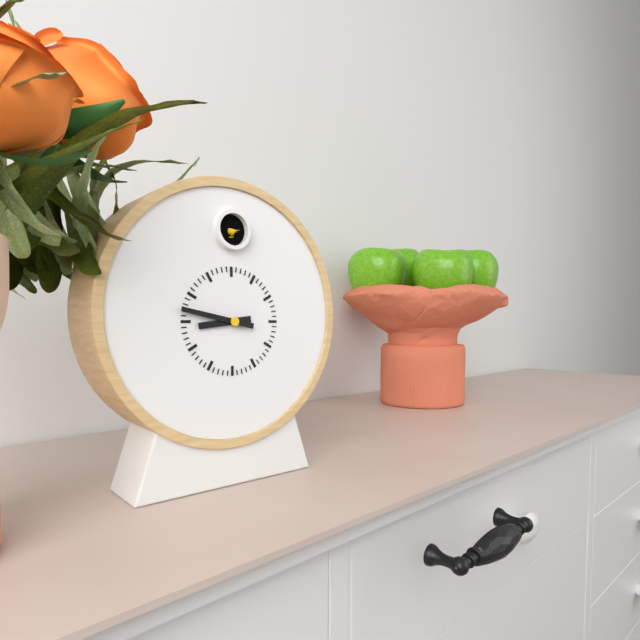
8:47
